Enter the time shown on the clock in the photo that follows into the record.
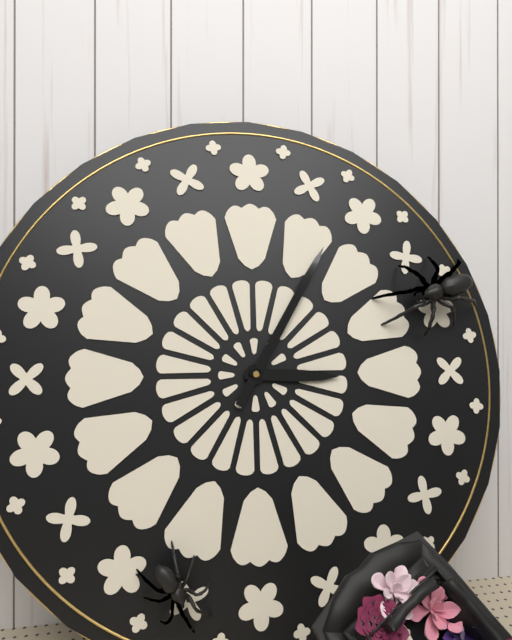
3:05
